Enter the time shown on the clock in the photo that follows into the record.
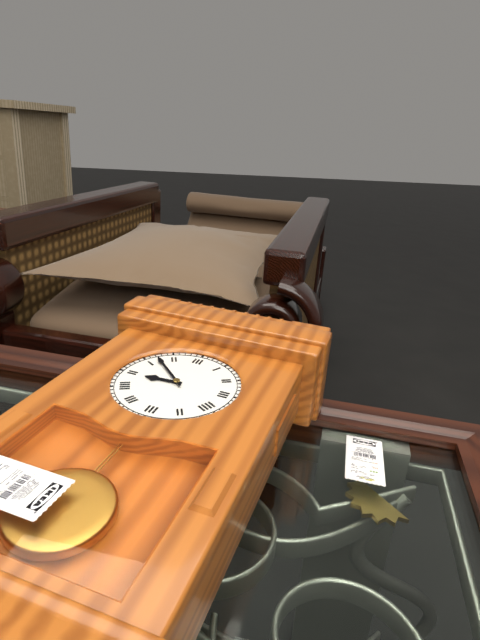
8:52
